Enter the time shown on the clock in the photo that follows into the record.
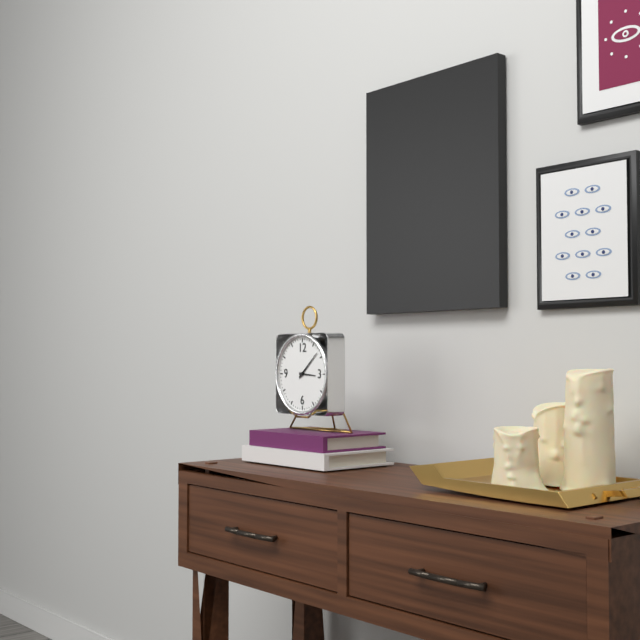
3:08
